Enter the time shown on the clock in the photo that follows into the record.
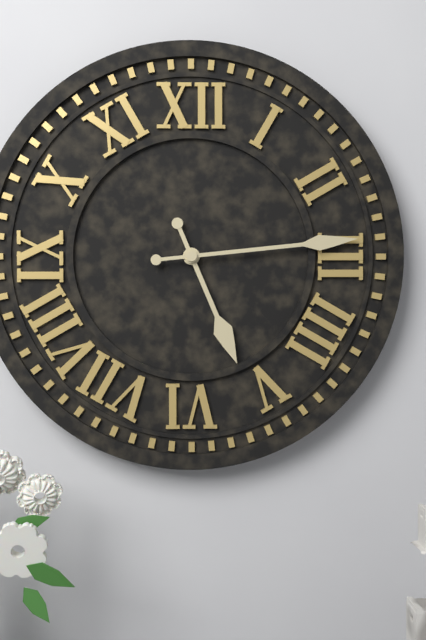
5:14
